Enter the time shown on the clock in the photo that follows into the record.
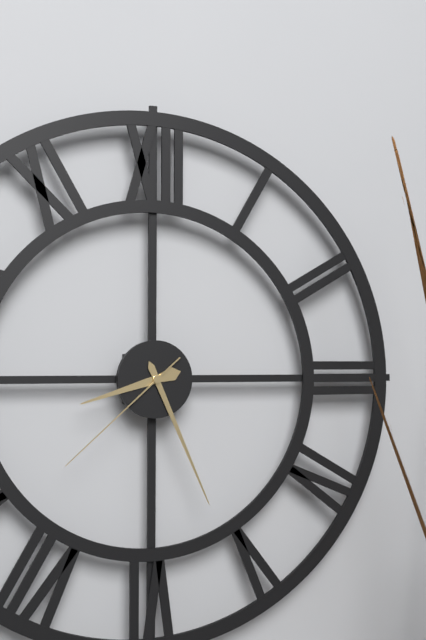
8:26:38
